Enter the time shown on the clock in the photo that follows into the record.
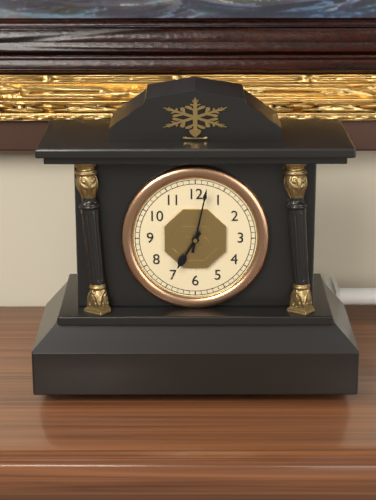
7:02
